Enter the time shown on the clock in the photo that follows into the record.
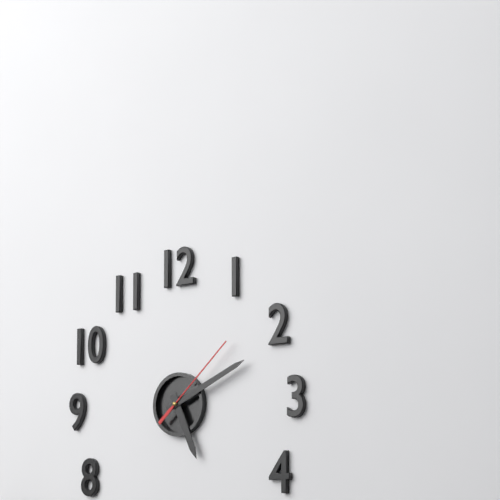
5:11:08
